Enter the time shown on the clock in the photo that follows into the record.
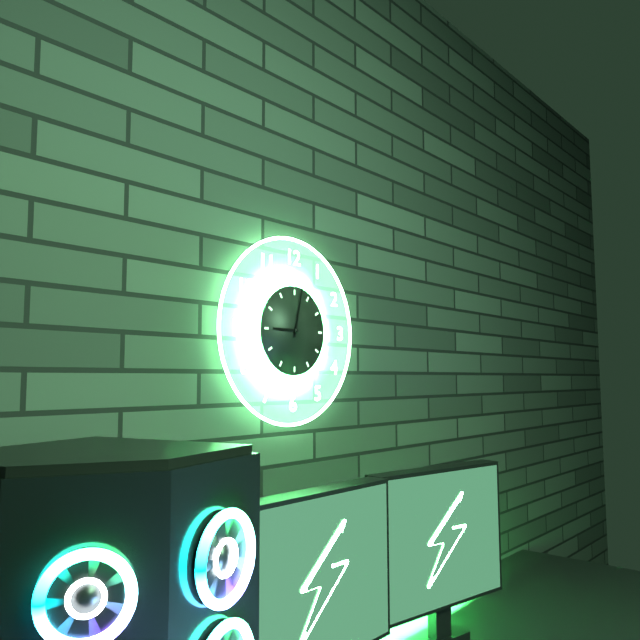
9:02
